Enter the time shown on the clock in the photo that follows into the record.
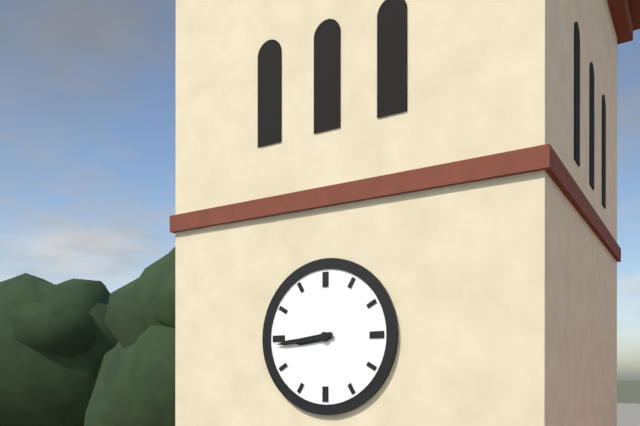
8:44
